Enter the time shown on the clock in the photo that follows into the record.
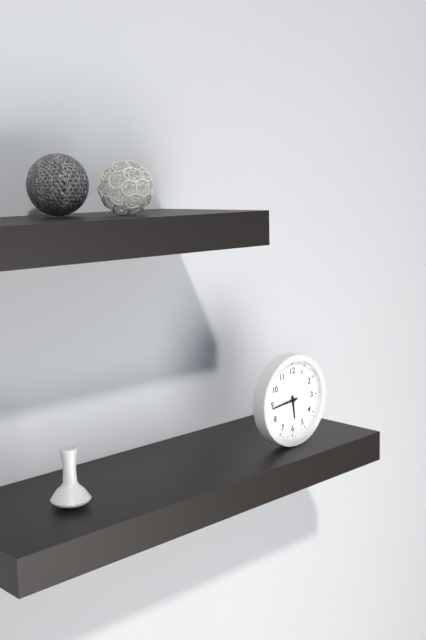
5:44
